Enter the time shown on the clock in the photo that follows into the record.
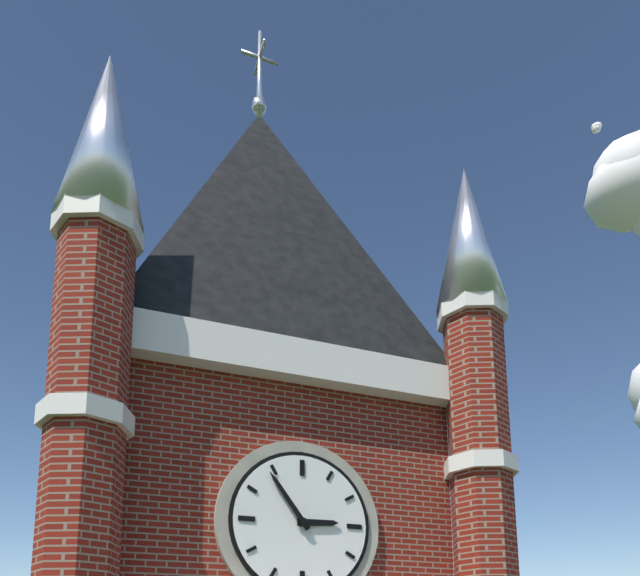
2:54
